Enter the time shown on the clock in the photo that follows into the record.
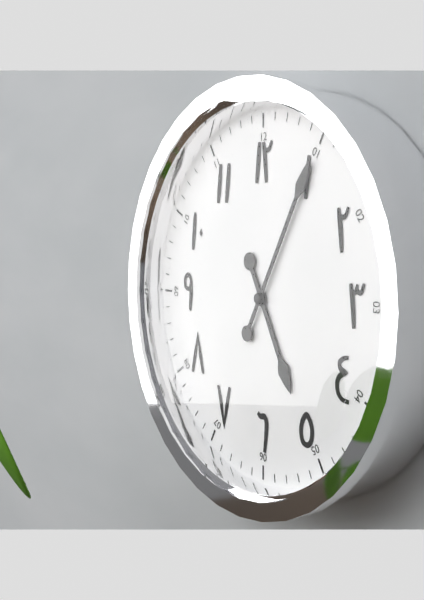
5:05
